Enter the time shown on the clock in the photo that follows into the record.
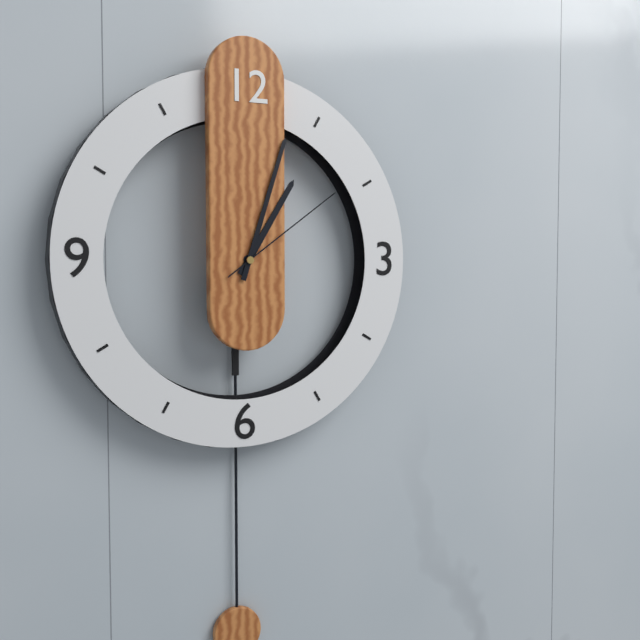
1:03:09
